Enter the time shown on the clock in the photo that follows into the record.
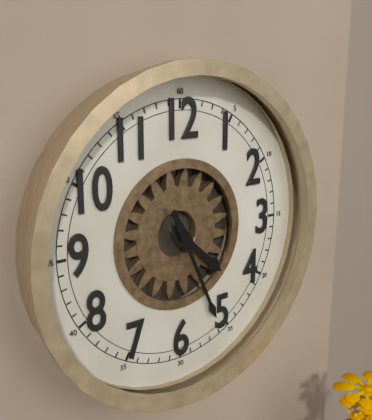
4:26
